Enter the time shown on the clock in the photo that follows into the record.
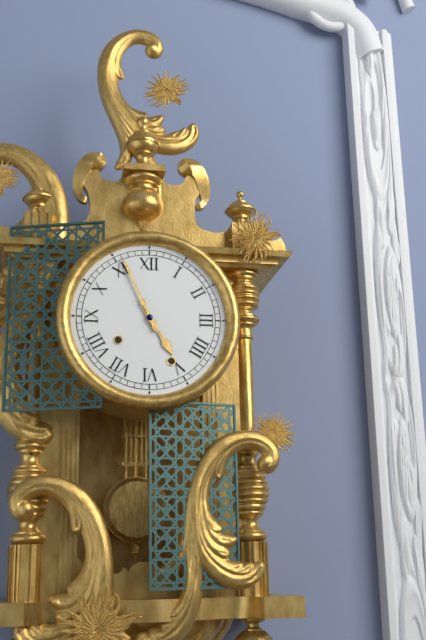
4:56
